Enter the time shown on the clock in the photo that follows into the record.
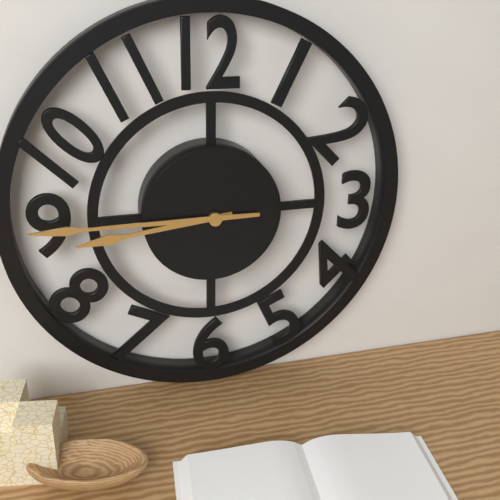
8:45
